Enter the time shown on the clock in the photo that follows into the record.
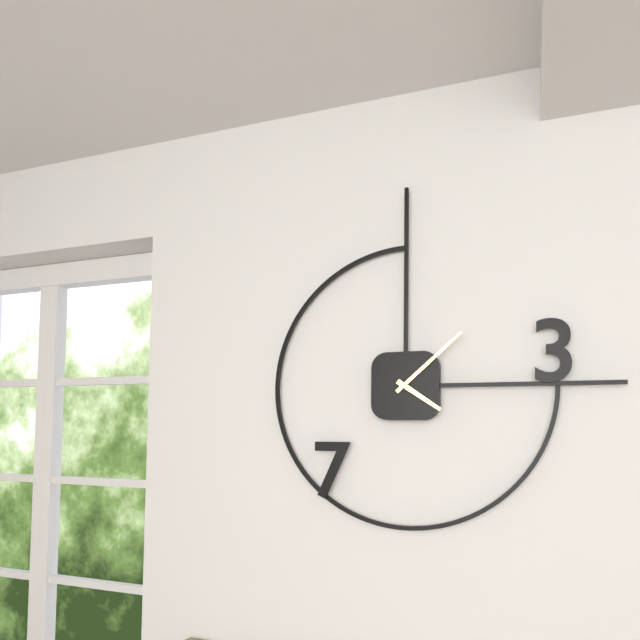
4:08
